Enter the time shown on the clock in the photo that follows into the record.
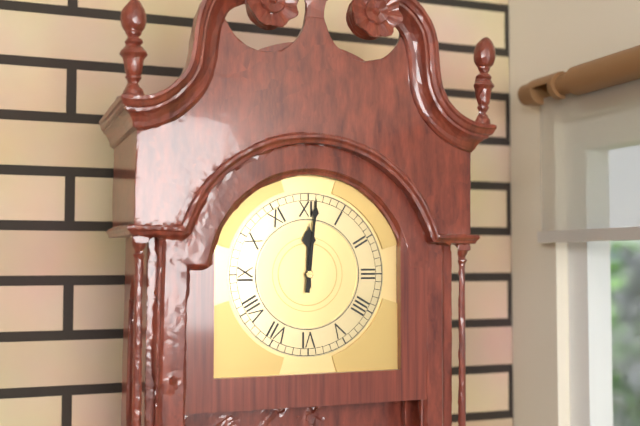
12:01
